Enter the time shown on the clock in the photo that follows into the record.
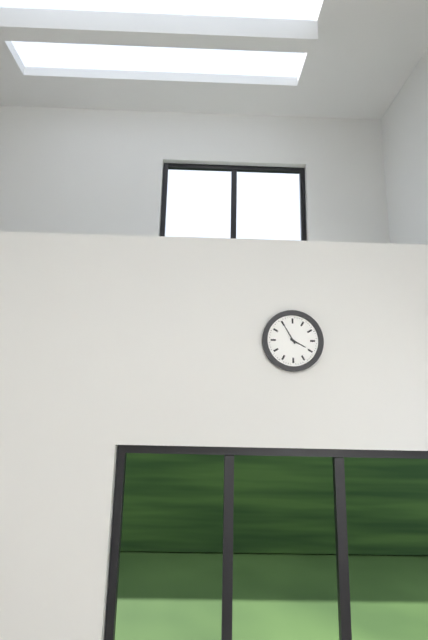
3:55
